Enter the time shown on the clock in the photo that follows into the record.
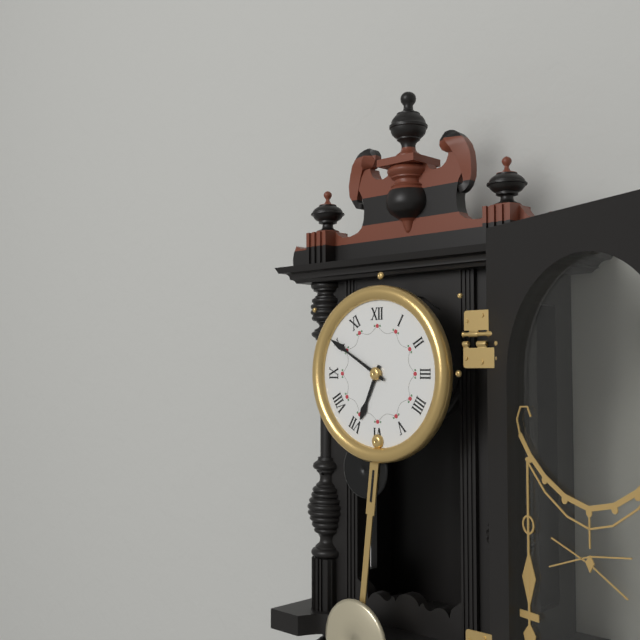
6:50
